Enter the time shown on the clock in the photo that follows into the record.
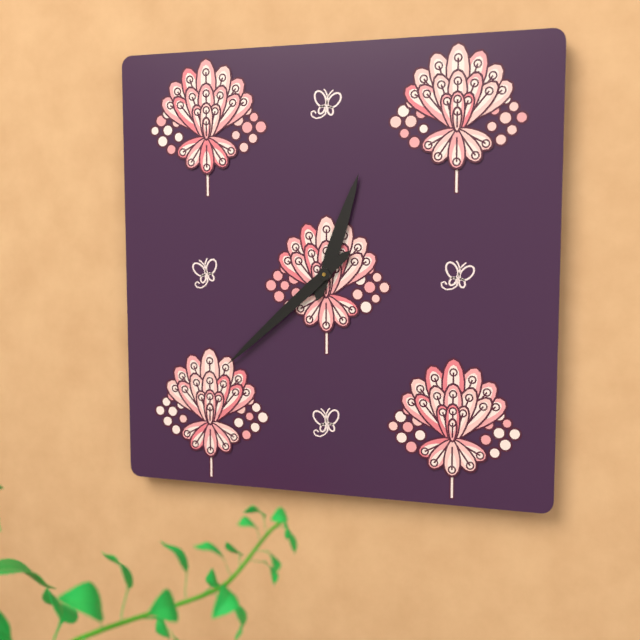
12:38
